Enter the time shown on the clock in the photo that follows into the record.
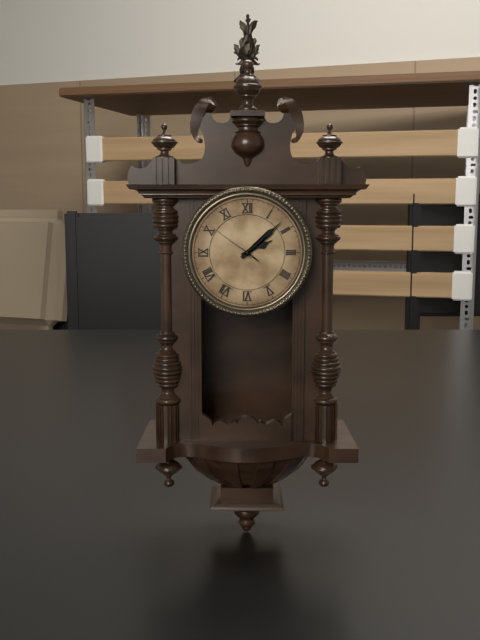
2:08:51
